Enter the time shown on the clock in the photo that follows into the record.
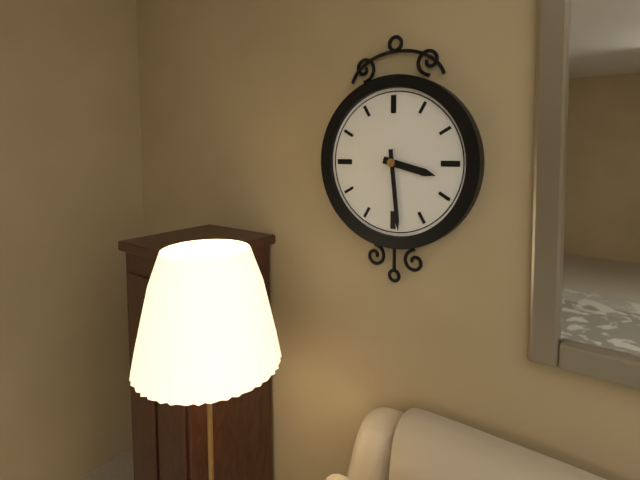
3:29
